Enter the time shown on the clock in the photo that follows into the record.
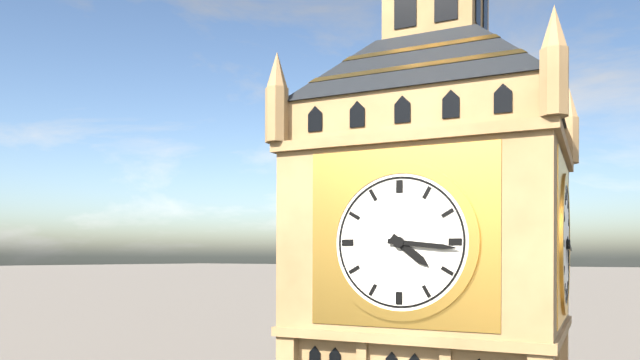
4:16
